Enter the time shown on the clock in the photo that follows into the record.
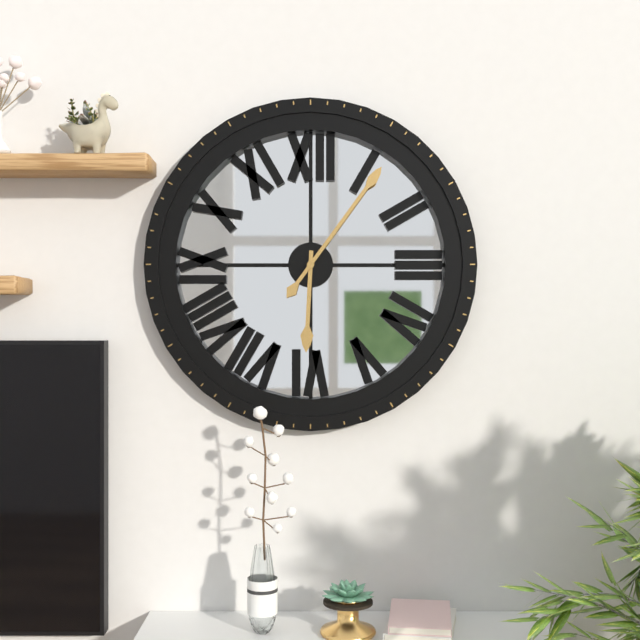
6:06
